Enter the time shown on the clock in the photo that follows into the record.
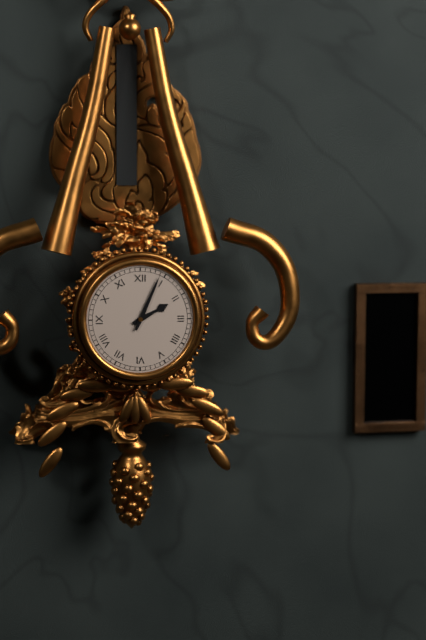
2:04
